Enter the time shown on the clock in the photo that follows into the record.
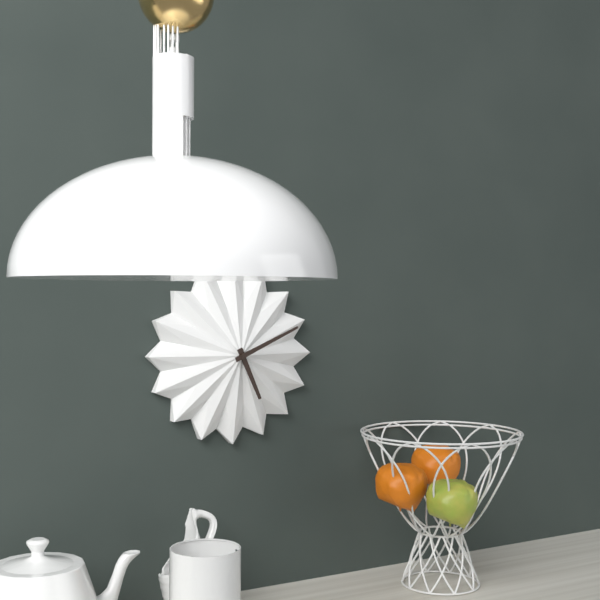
5:11
